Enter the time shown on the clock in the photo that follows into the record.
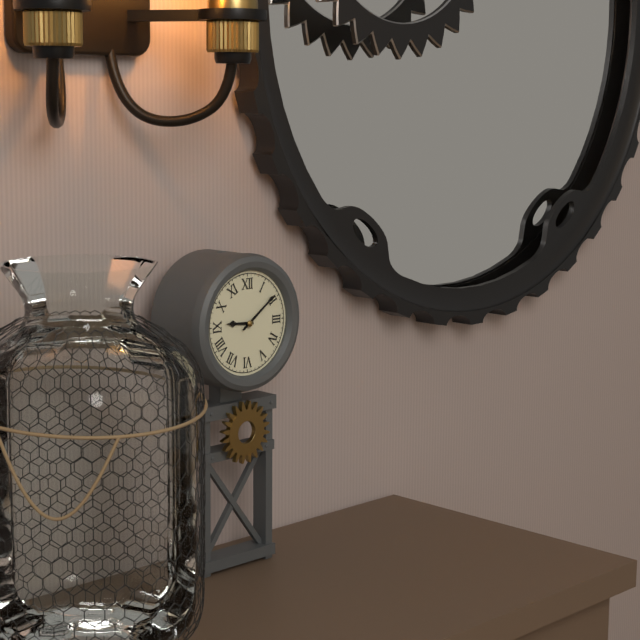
9:09
